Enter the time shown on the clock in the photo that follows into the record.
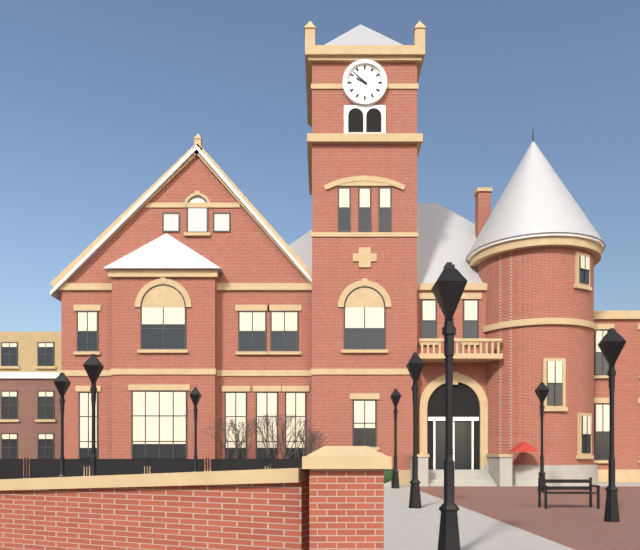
9:52
